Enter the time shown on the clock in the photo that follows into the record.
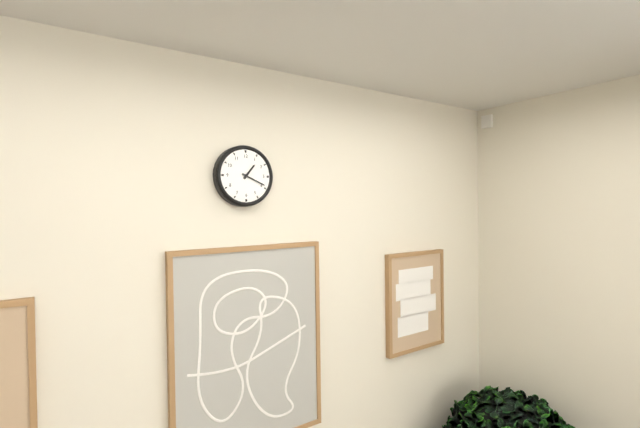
1:19
